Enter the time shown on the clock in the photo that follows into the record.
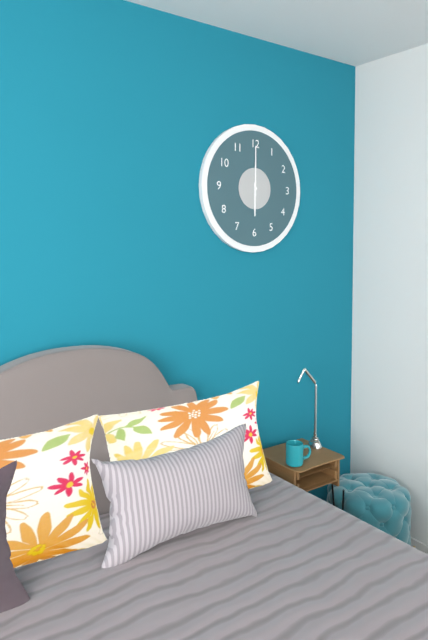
6:00
